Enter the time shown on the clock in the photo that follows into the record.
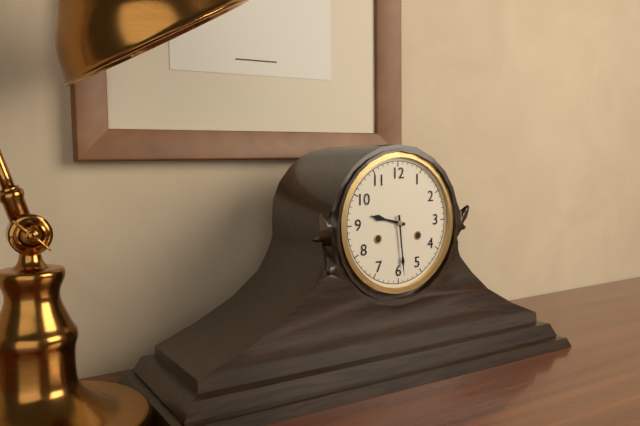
9:29
